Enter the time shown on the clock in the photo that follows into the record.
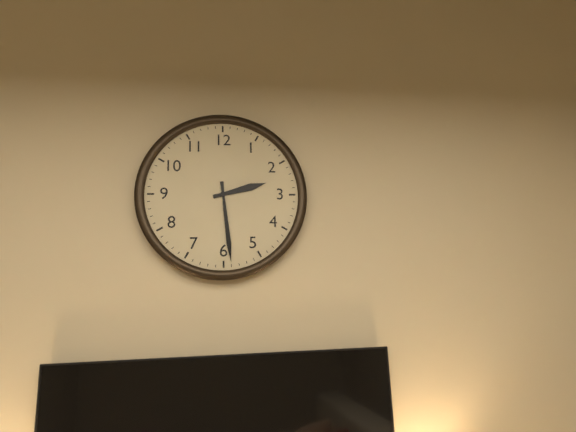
2:29
